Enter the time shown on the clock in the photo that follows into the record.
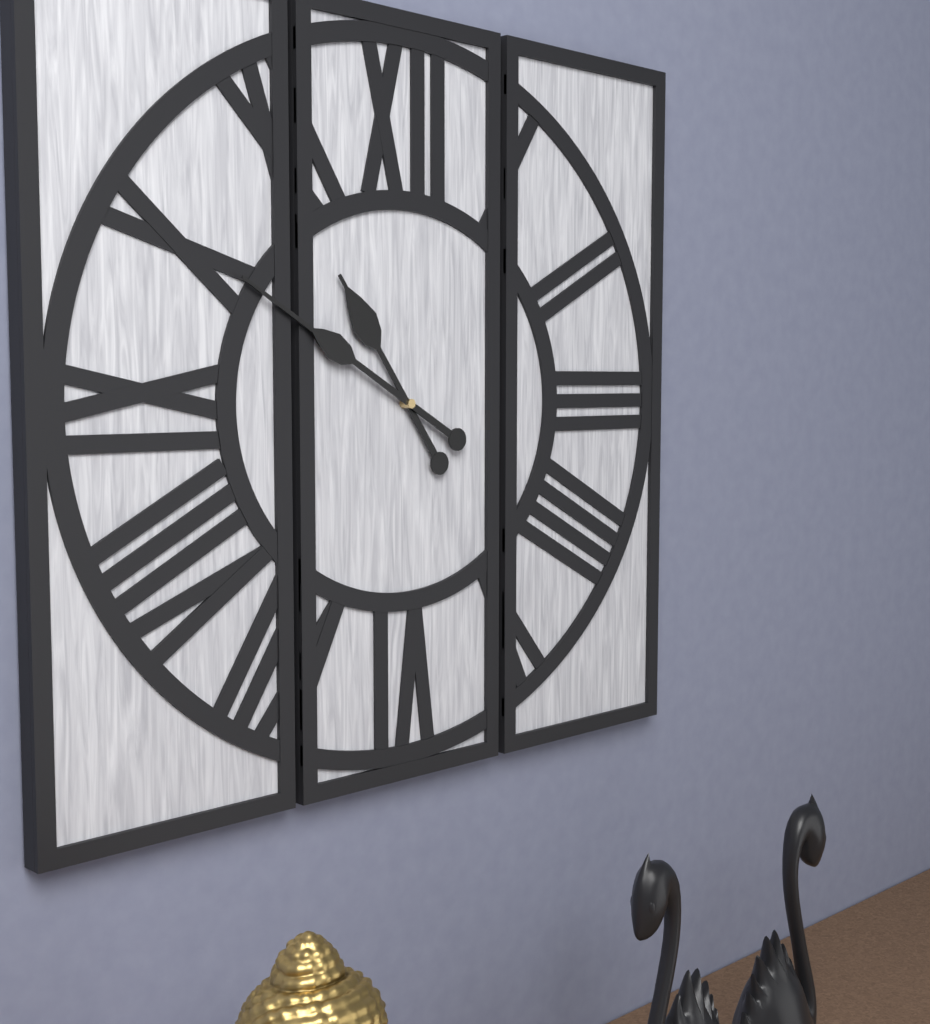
10:50
